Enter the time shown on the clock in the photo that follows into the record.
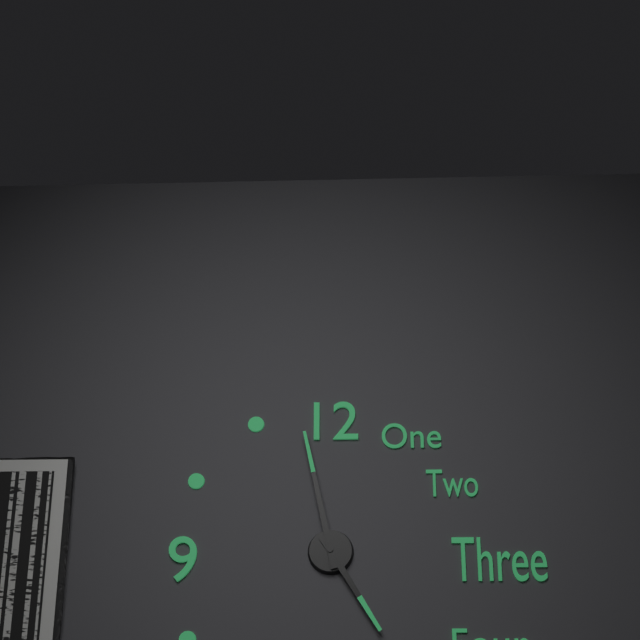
4:58
